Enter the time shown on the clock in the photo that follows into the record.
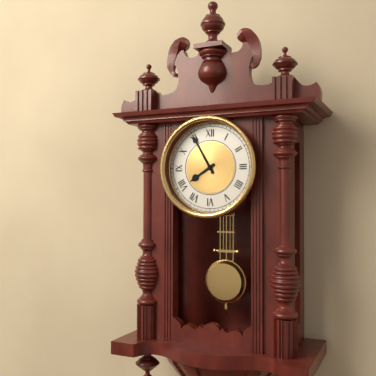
7:55
